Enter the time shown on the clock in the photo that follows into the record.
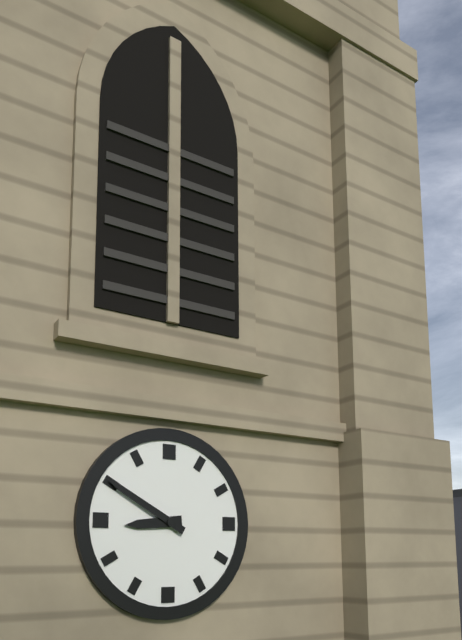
8:50
